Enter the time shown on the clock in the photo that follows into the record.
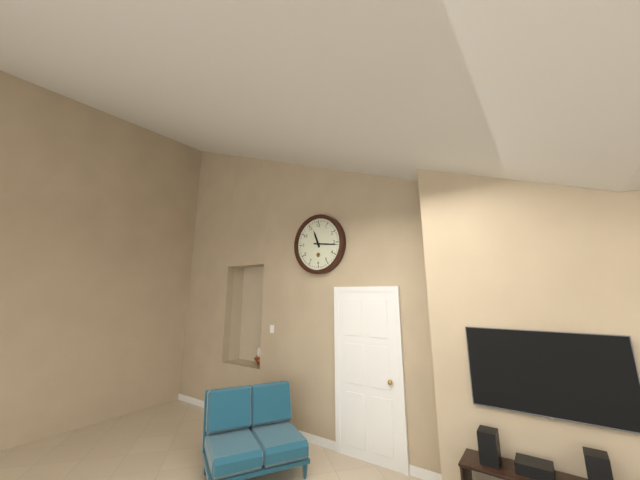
11:16
